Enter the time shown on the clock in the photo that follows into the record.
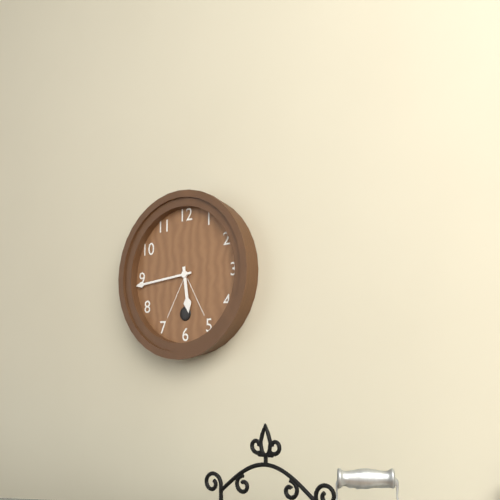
5:44
